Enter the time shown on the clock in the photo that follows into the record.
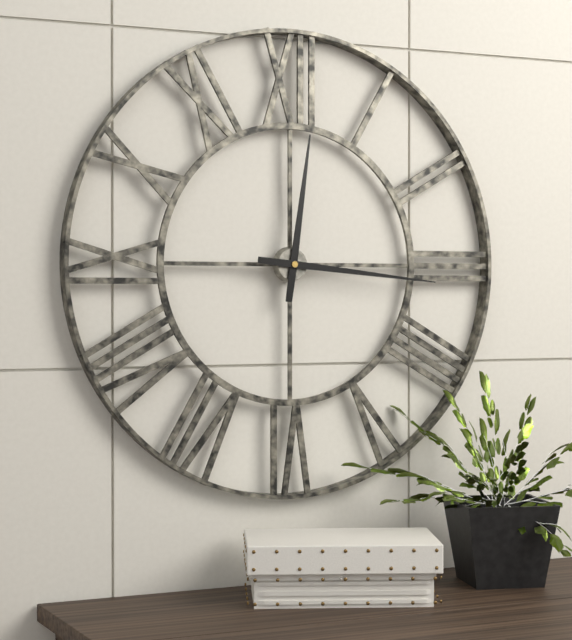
12:16
